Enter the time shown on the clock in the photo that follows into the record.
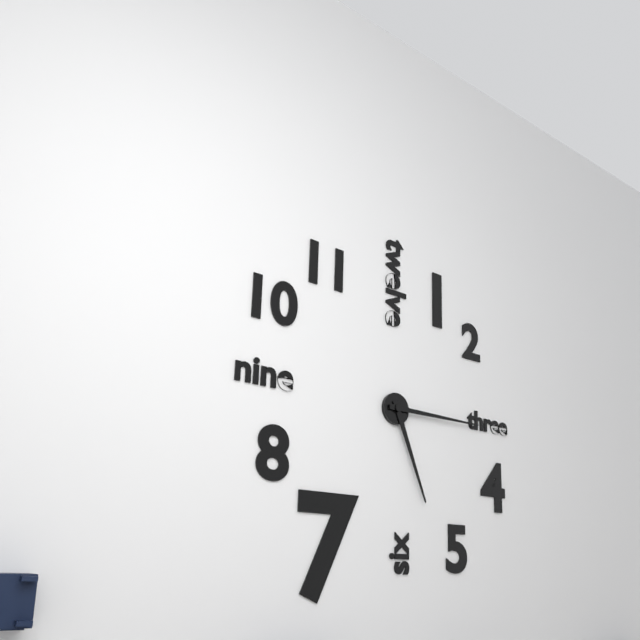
5:15
